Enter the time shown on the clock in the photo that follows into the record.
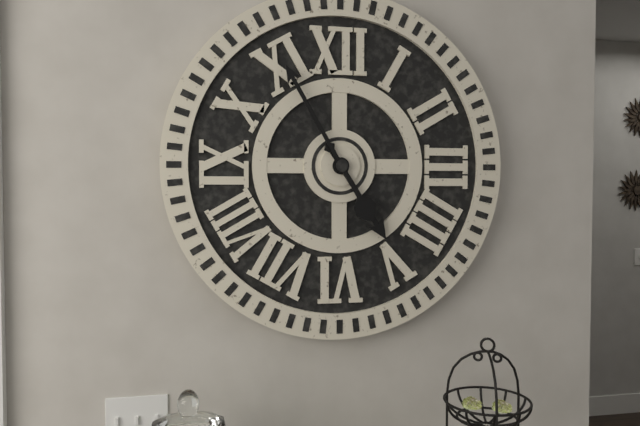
4:55
